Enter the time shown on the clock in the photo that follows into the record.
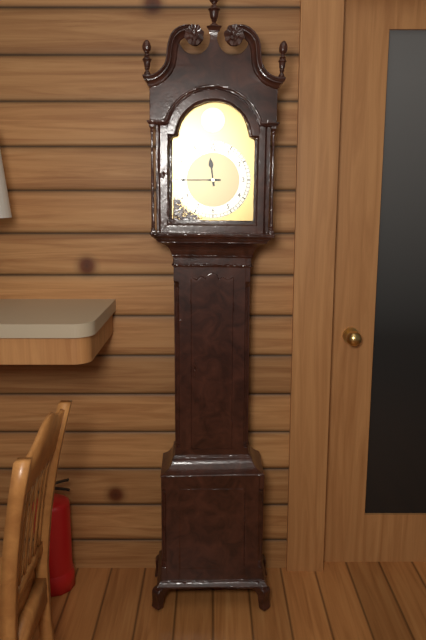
11:45
